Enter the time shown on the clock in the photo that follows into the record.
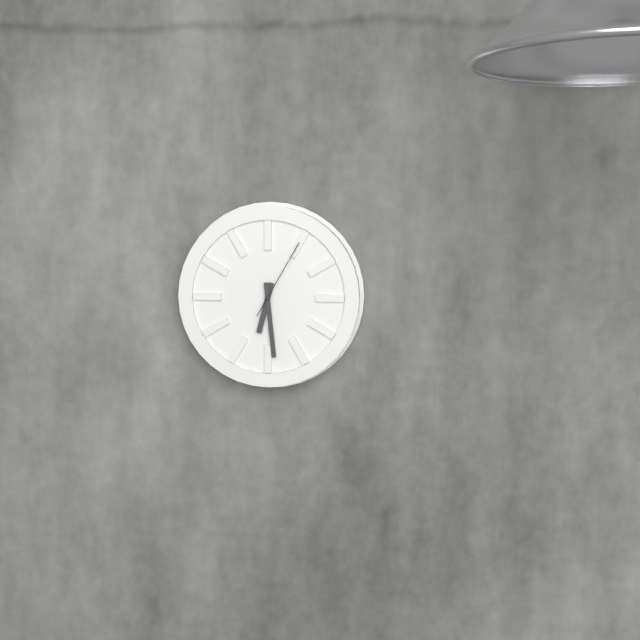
6:29:05
